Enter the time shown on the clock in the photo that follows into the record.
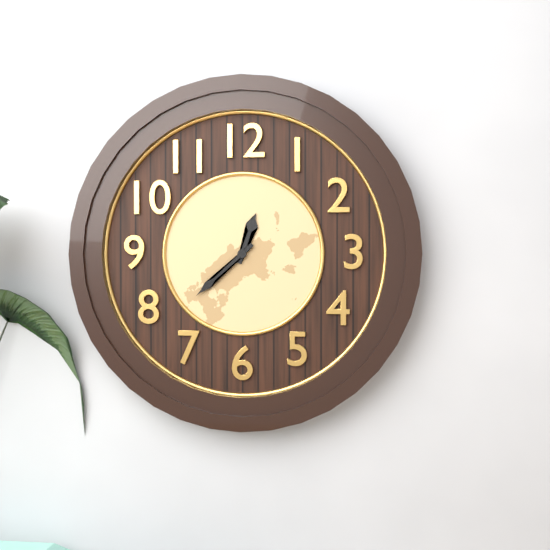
12:38
